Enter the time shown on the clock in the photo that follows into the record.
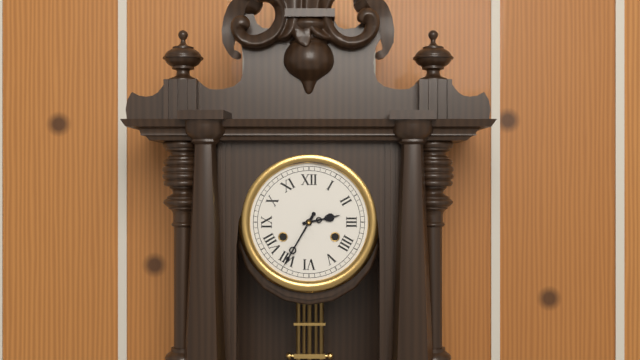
2:35
